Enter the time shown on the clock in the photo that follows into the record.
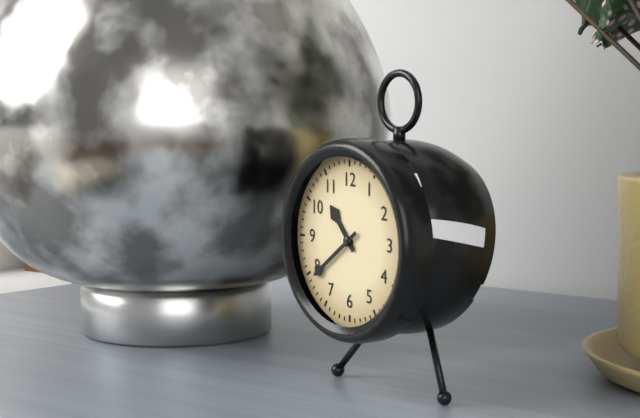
10:39
